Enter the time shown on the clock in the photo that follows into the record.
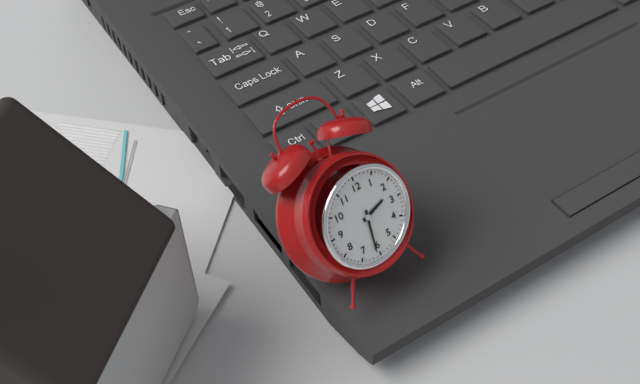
2:31
